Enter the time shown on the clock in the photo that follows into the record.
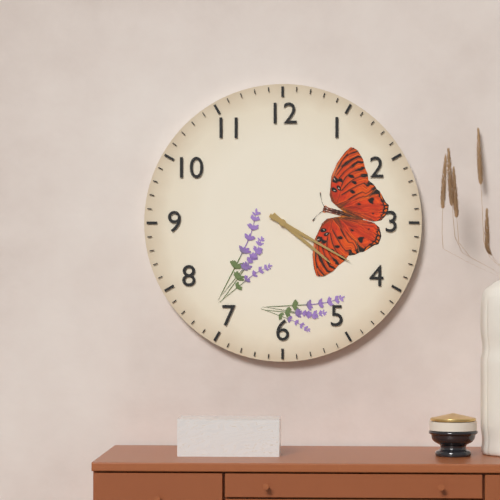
4:20
